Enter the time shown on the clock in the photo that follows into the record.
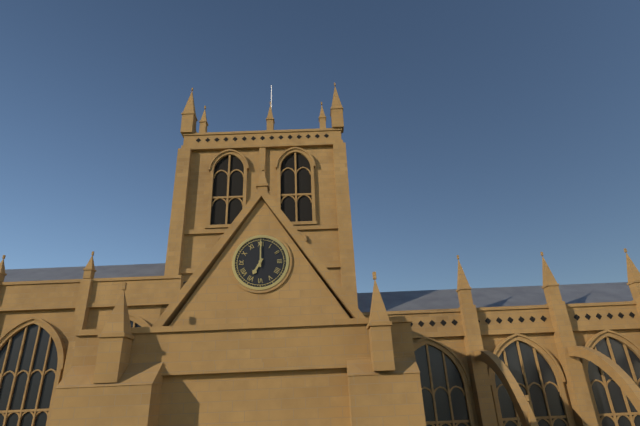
7:00
